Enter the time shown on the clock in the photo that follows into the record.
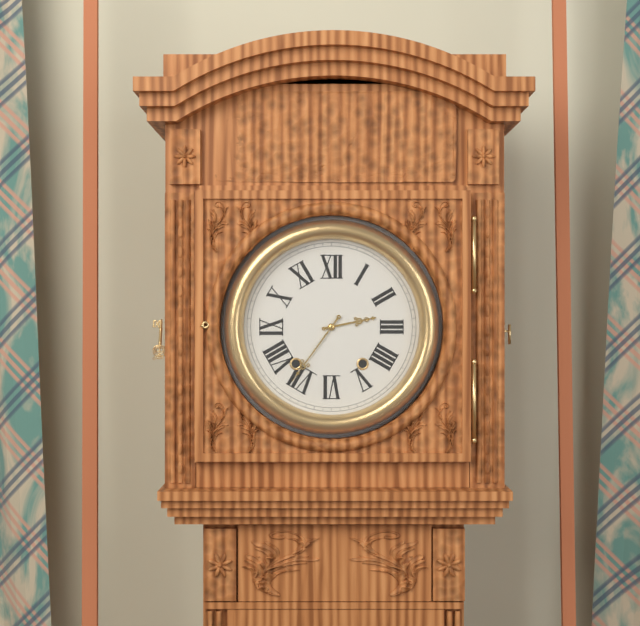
2:36
